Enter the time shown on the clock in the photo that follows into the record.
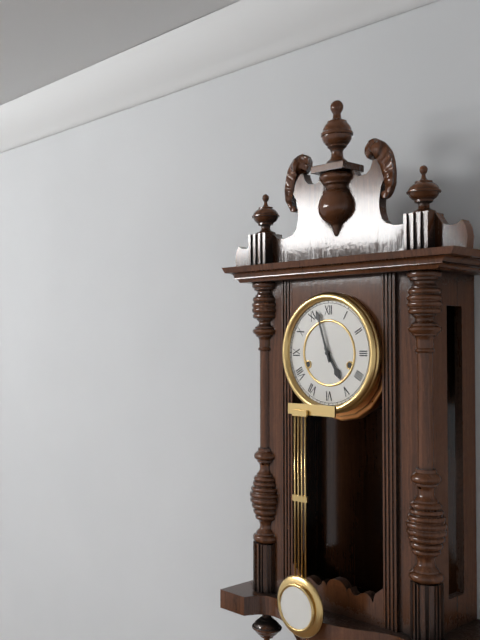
4:57
